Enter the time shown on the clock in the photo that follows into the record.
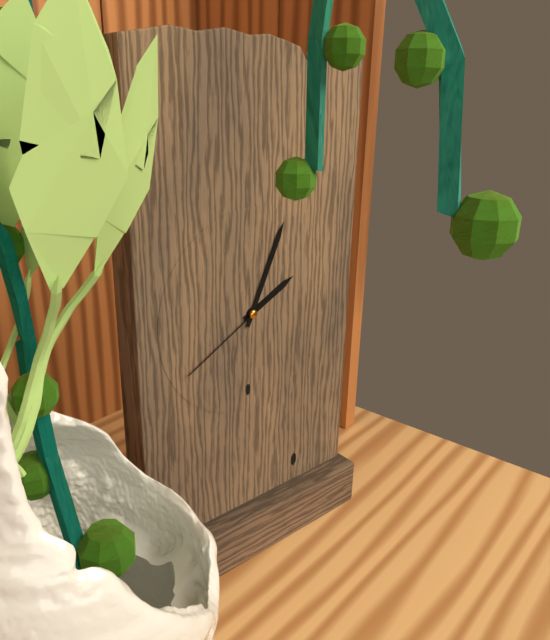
2:04:40
